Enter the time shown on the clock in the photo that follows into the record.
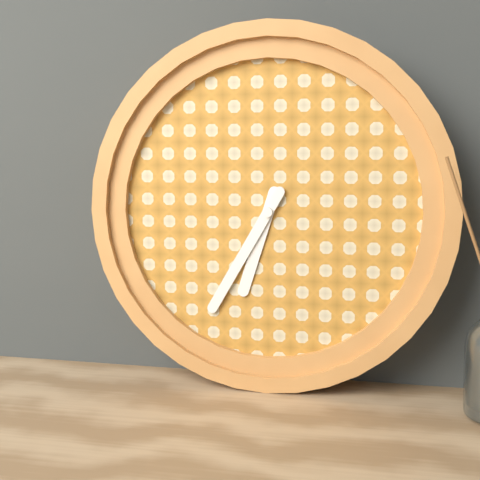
6:35
